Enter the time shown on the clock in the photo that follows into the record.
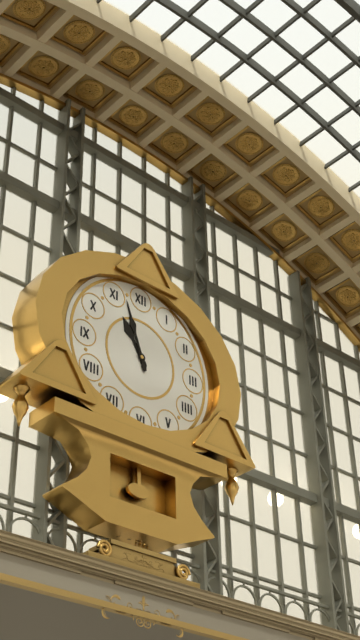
10:57
